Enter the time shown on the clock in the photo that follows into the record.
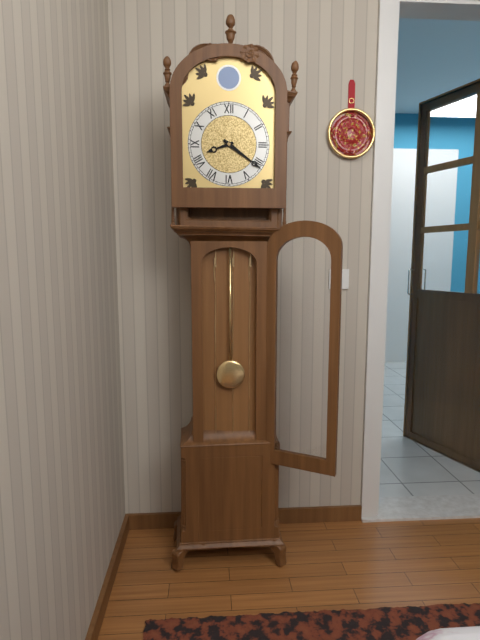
8:21
